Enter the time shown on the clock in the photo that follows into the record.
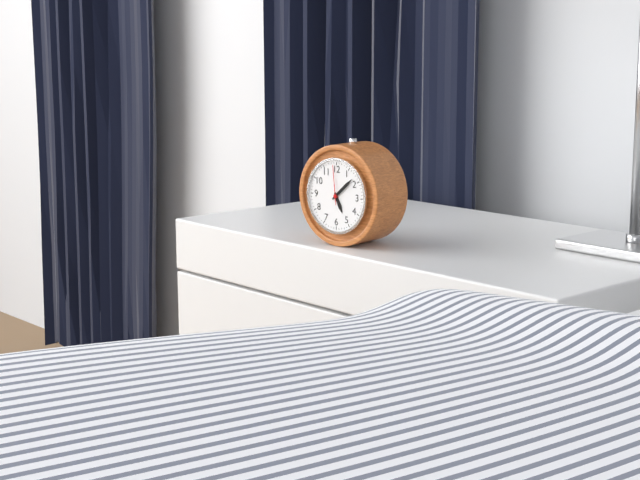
5:08
